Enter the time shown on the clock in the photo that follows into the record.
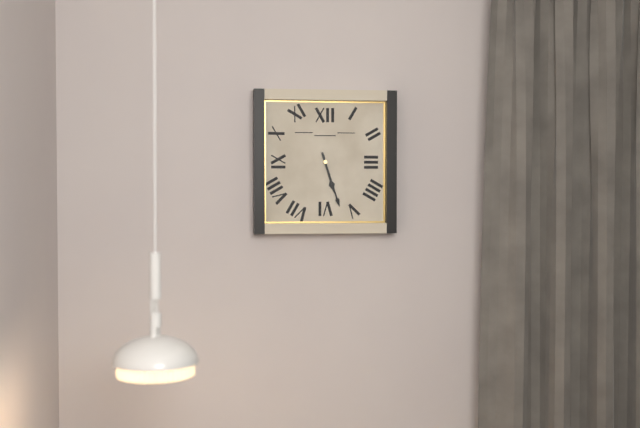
5:27
